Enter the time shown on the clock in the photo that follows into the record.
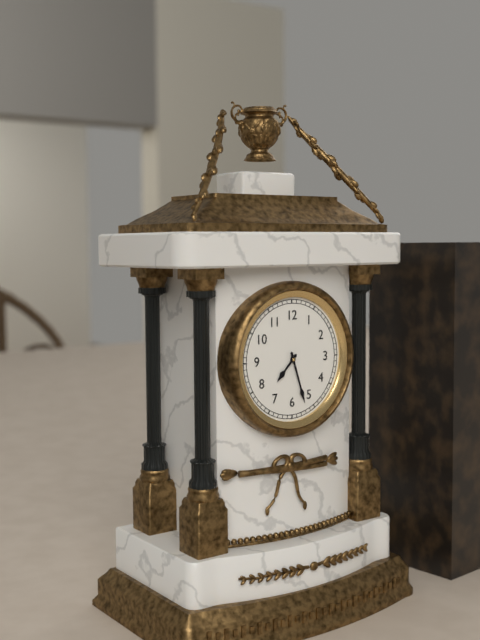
7:27
